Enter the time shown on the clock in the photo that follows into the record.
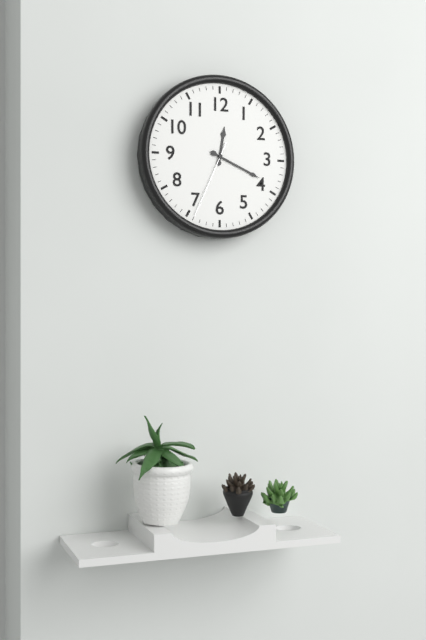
12:19:34
